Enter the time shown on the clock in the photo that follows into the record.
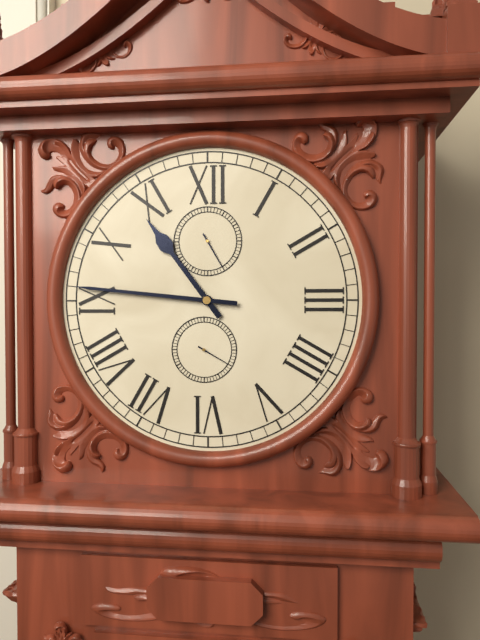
10:46
